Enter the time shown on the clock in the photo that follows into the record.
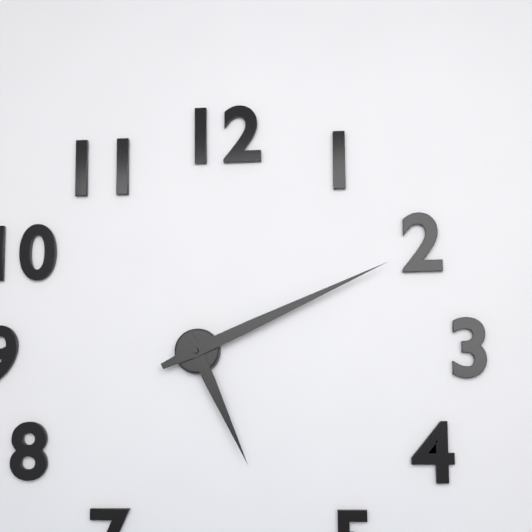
5:11
